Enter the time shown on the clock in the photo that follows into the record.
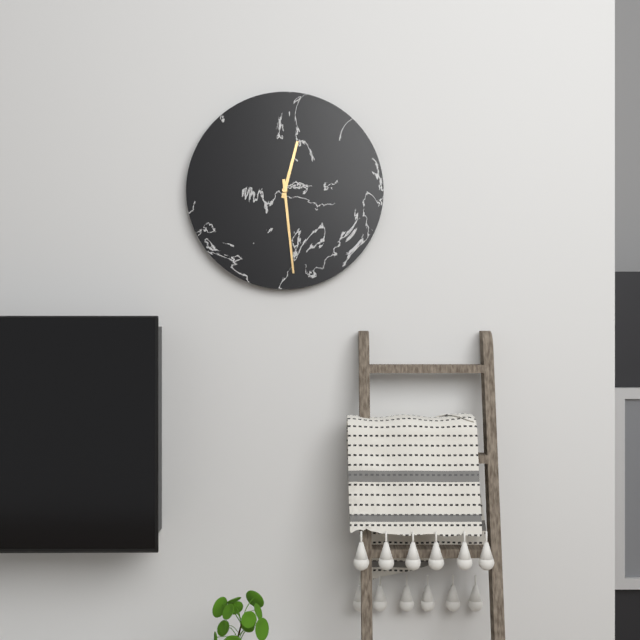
12:29
